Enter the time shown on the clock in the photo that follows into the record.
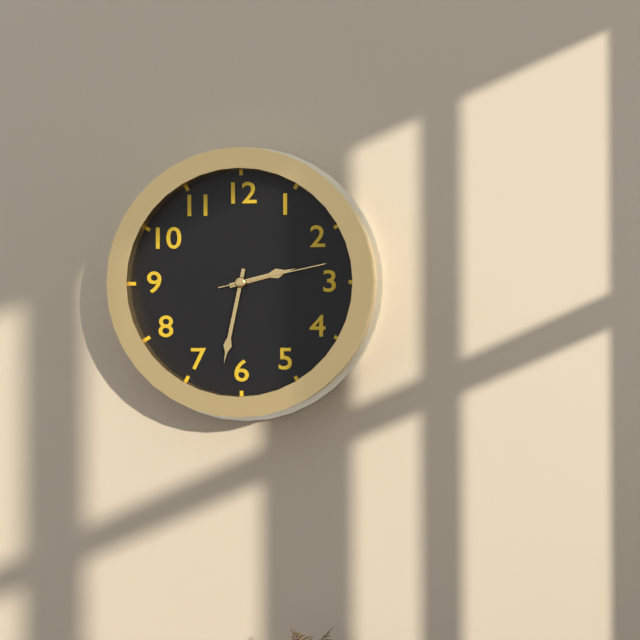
2:32:13
